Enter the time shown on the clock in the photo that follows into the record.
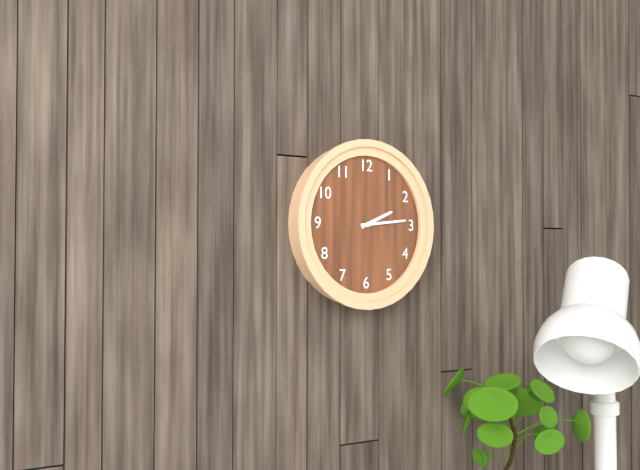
2:14
